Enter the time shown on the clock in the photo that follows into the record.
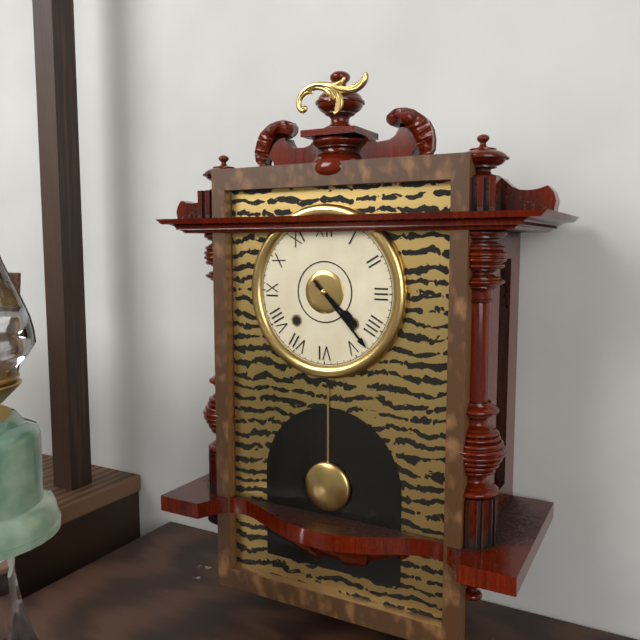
4:23
